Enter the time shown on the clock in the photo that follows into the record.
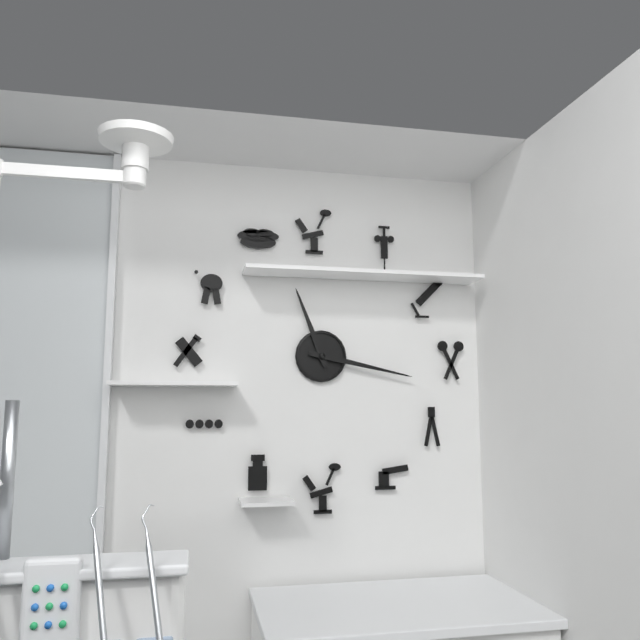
11:17
